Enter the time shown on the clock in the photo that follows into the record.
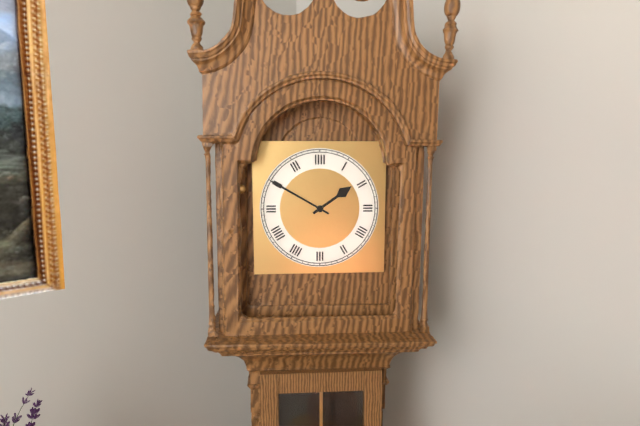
1:50
